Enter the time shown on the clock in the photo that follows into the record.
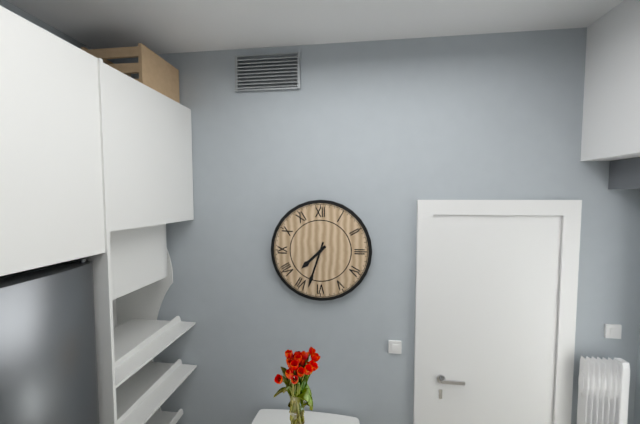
7:33
